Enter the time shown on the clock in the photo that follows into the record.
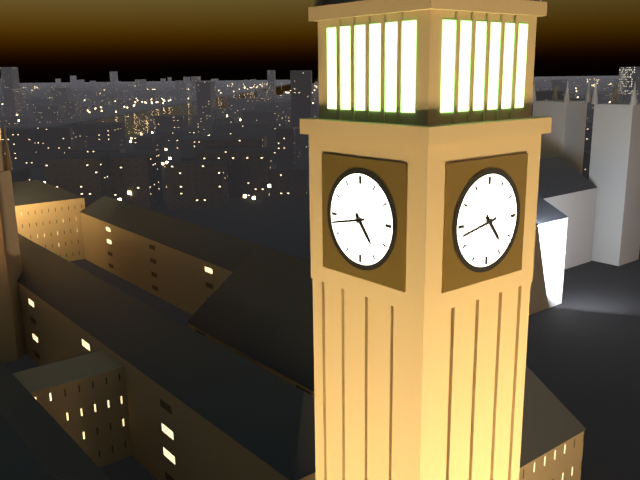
4:43
